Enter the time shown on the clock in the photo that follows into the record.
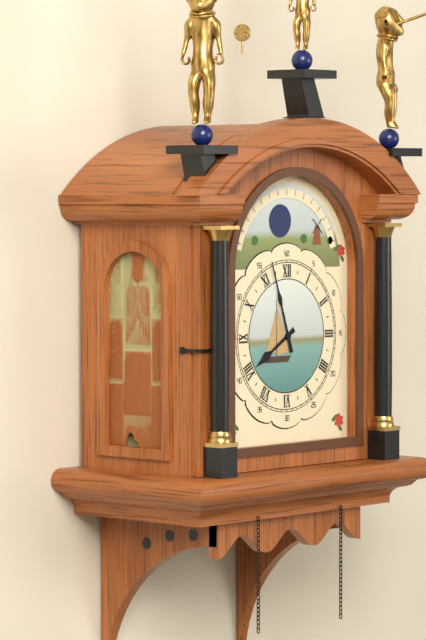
7:57
